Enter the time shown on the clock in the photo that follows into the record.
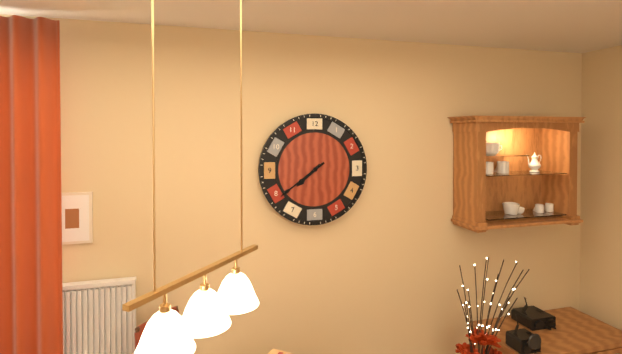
7:39
